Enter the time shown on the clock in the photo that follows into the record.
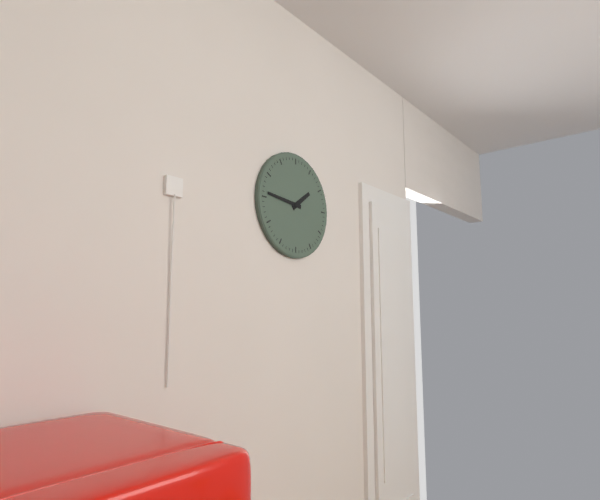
1:46
